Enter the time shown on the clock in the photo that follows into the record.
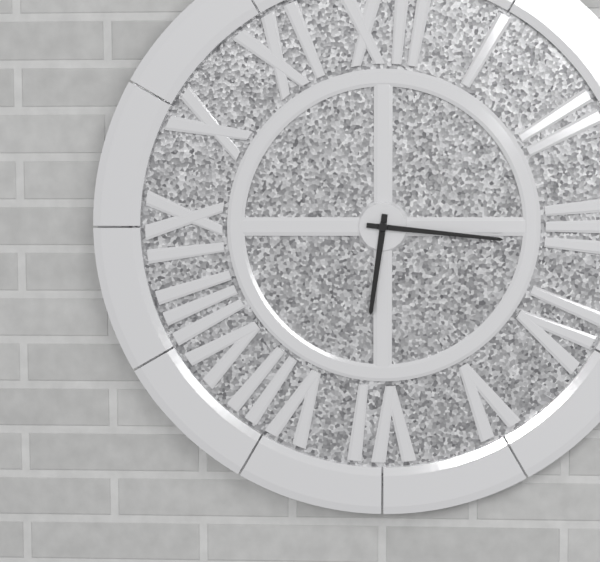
6:16
